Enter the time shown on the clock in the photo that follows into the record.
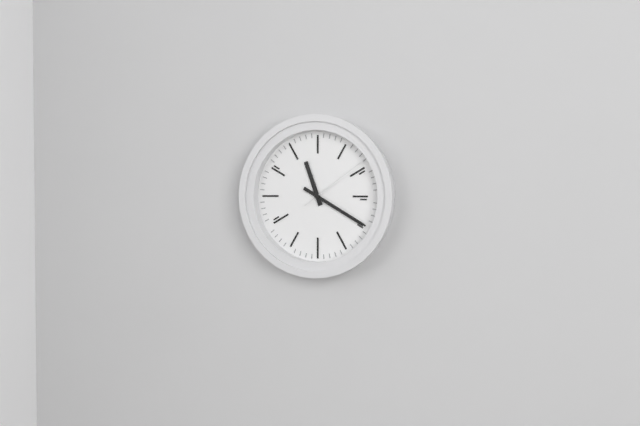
11:20:09
